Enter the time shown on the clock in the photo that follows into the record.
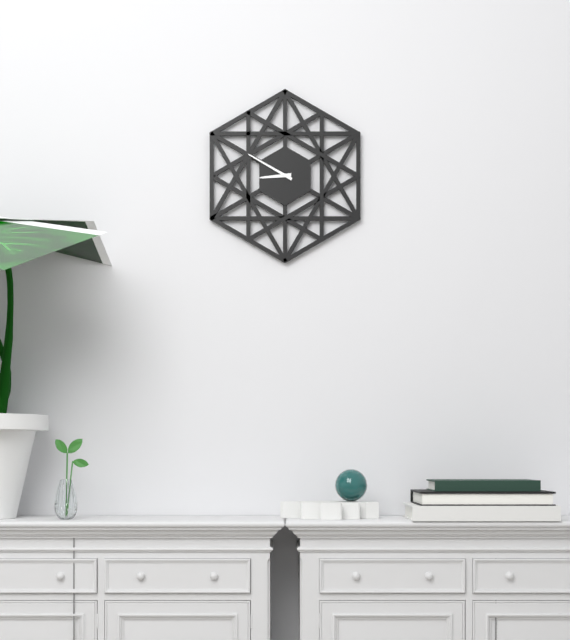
8:50
